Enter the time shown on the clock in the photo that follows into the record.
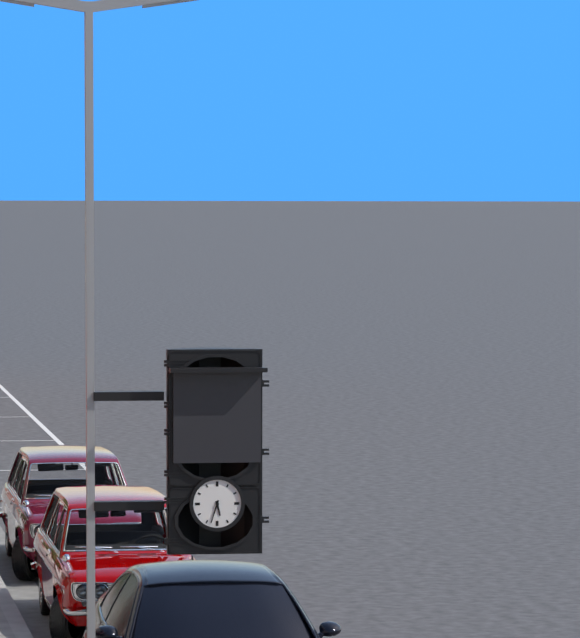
5:33
